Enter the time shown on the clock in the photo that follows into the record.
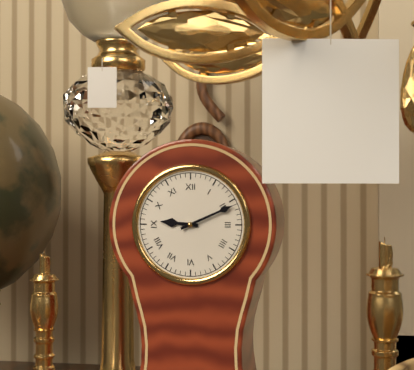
9:11
